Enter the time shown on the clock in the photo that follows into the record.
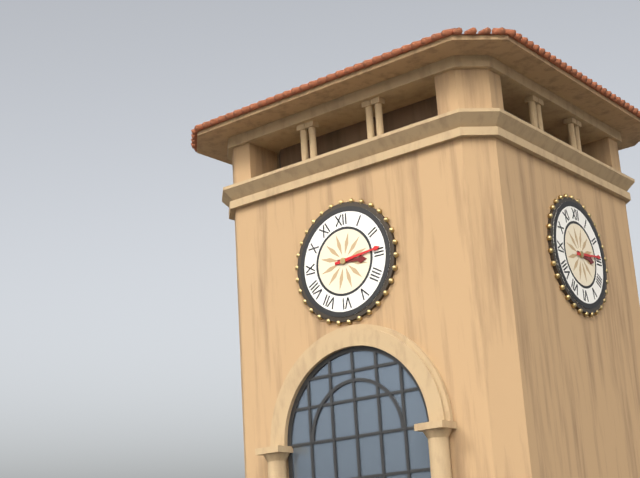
3:14
